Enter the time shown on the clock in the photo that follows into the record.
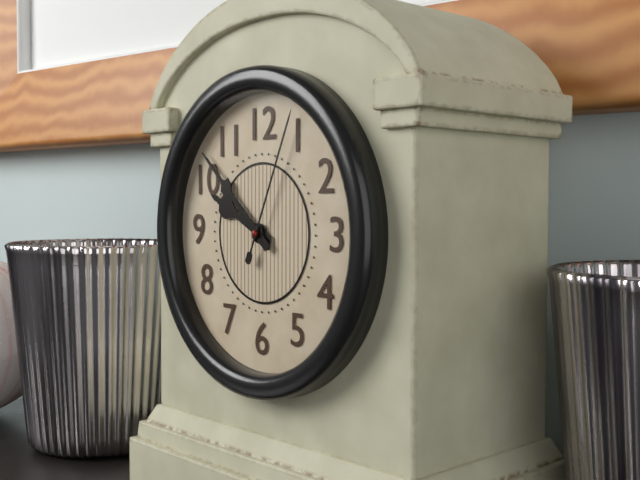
9:52:04
